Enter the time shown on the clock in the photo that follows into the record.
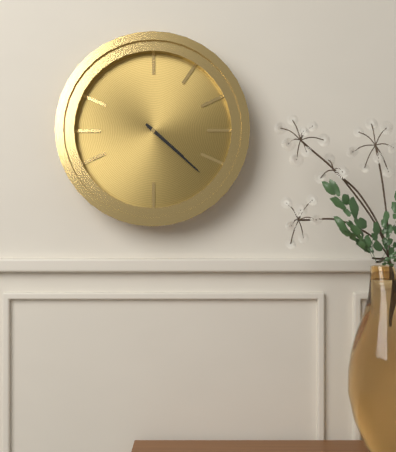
4:22
